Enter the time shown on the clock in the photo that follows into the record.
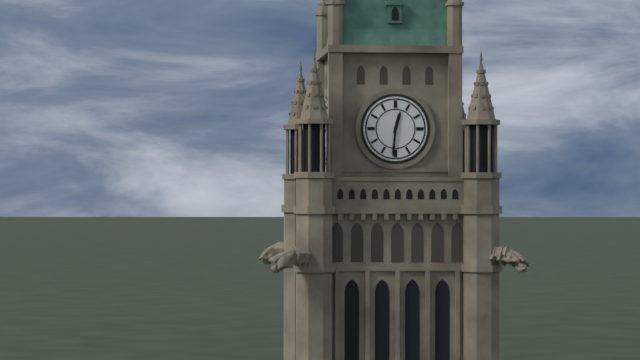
12:31
